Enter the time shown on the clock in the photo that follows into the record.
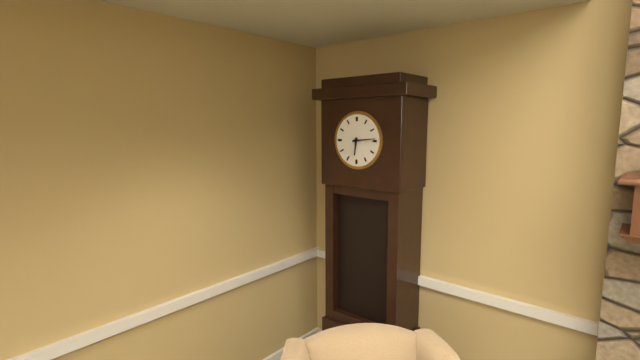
6:14
